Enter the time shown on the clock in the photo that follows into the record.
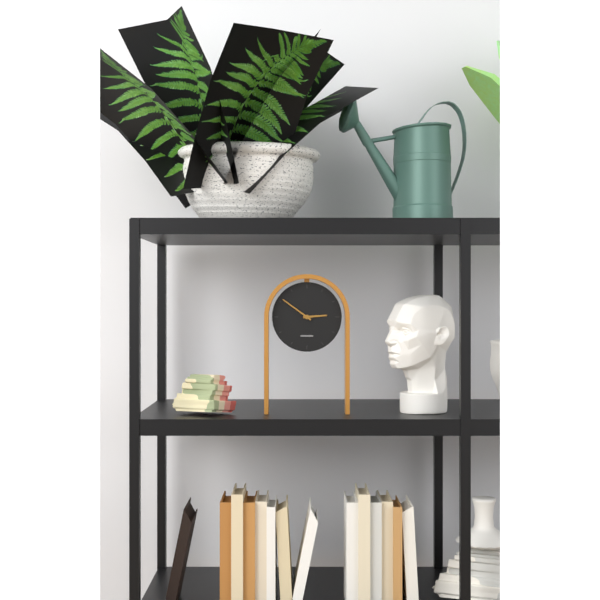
2:51
